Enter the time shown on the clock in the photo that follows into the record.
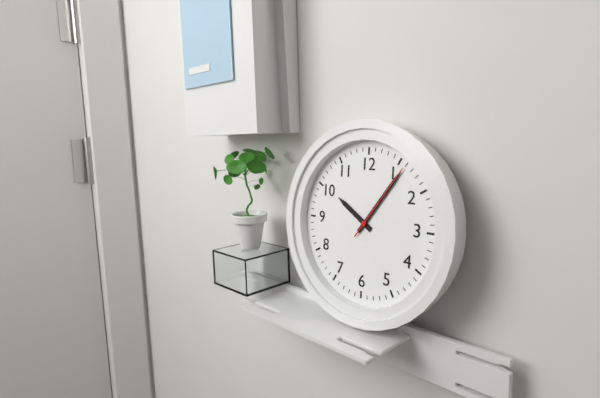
10:06:06
